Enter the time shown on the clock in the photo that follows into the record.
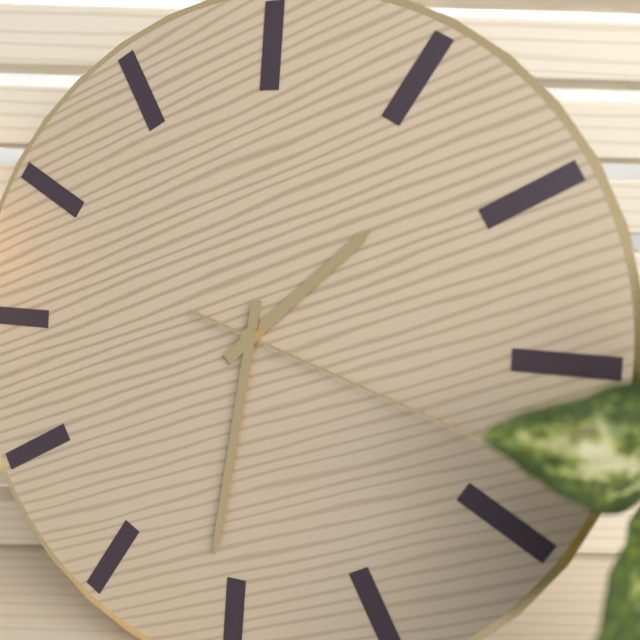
1:31:18
